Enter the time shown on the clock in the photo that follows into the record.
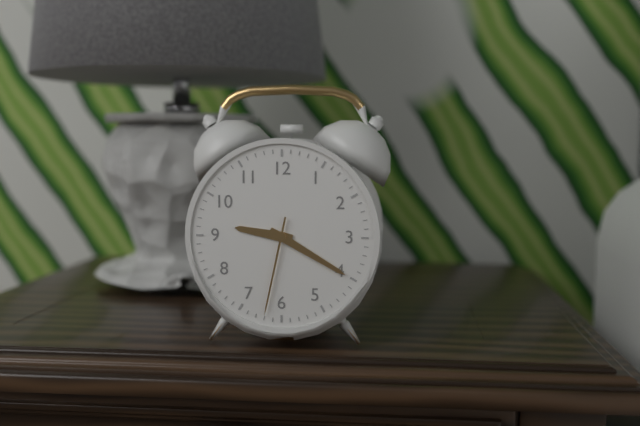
9:20:32
